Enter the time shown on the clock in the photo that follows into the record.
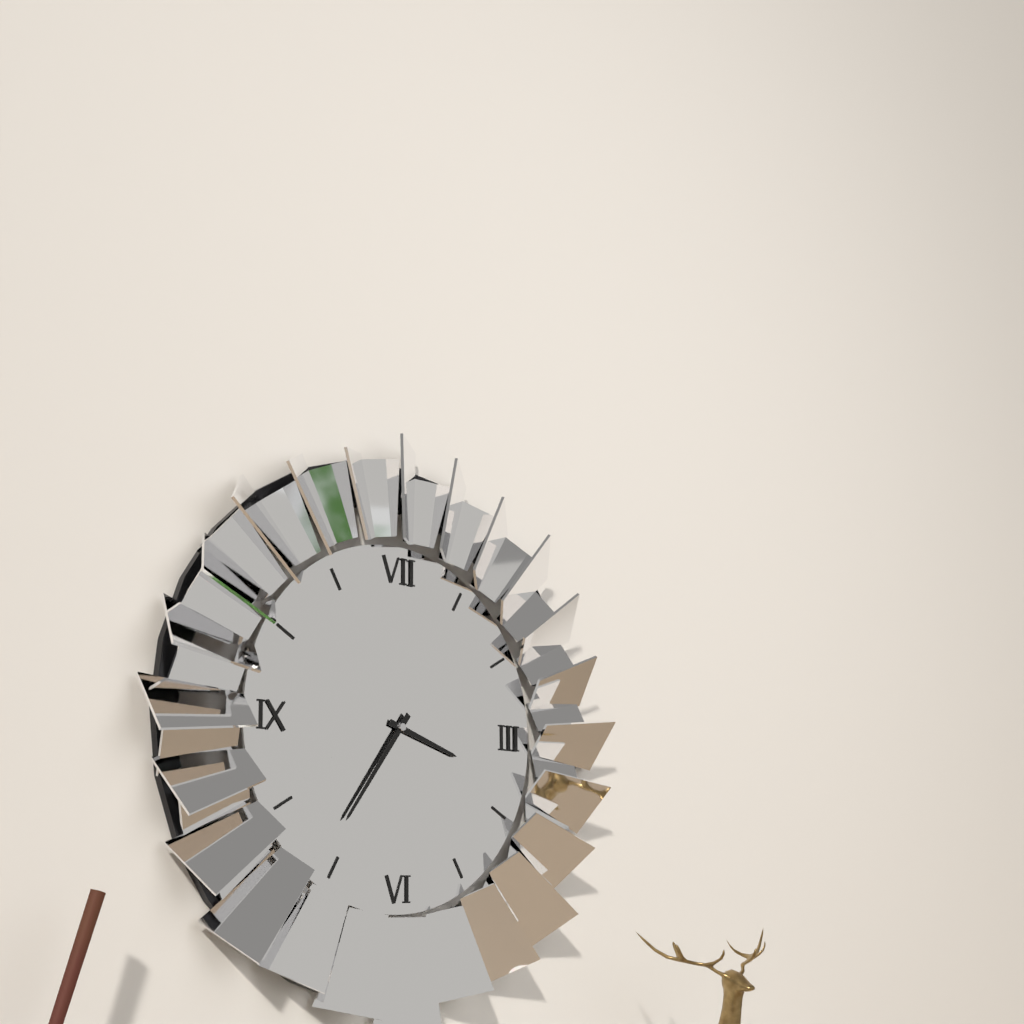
3:36
